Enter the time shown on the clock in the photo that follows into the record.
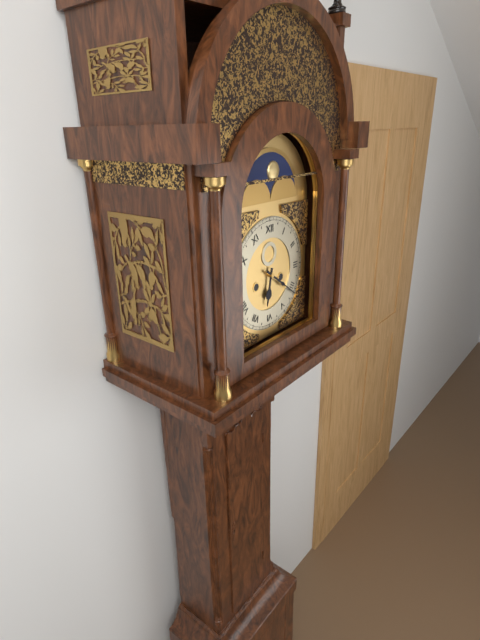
6:21
